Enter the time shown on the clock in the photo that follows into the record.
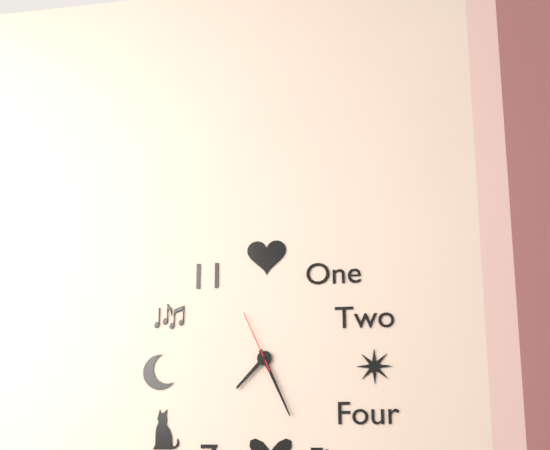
7:26:56
